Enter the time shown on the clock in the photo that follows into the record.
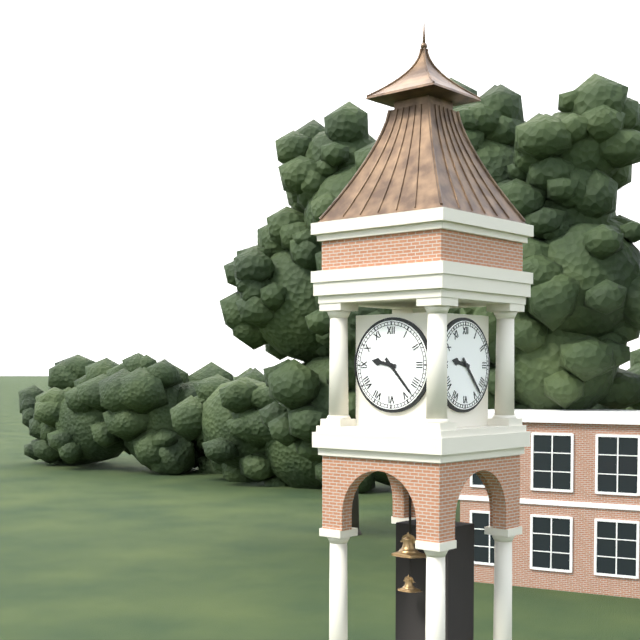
9:23
